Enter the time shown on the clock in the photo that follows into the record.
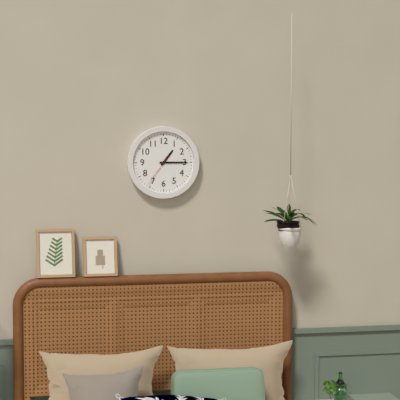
1:15
